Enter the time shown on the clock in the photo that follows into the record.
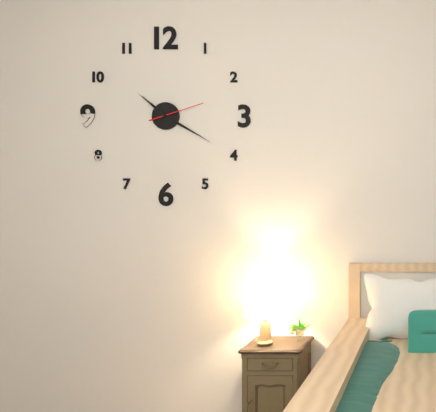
10:20
